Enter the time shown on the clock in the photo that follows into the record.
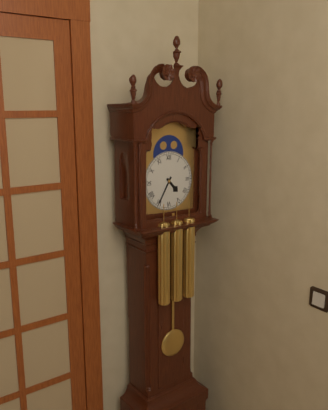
4:35
